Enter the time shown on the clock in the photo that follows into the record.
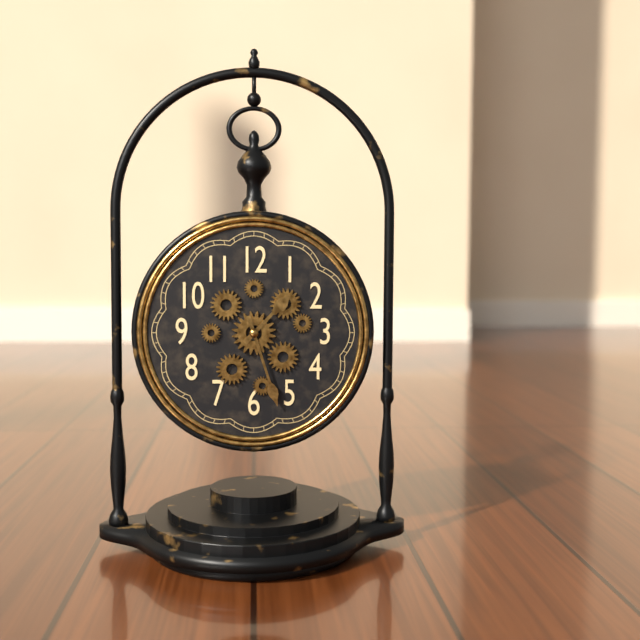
1:27
